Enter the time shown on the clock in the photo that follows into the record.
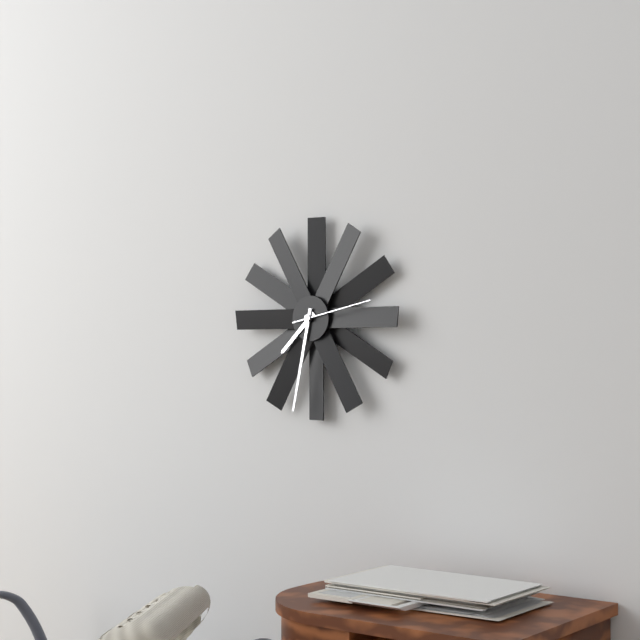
7:32:13
